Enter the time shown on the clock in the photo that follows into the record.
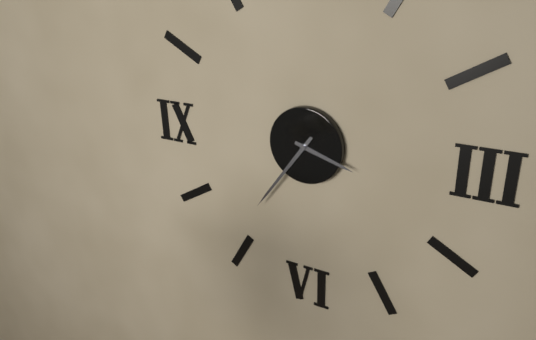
3:36
